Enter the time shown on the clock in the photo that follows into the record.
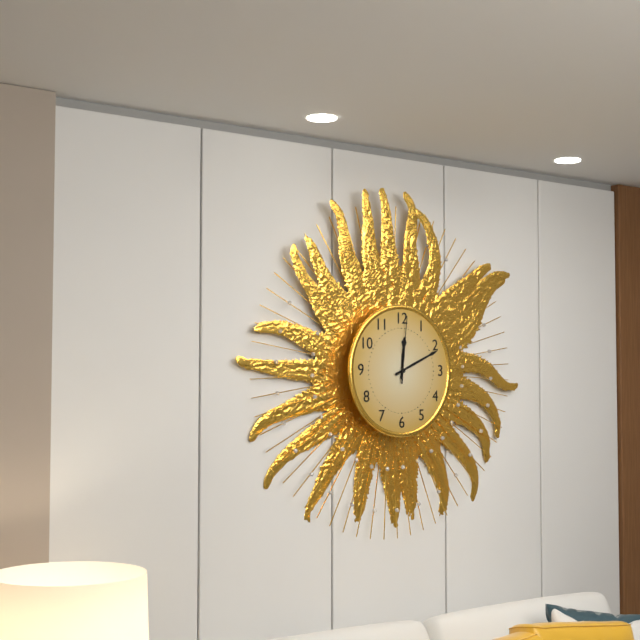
12:11:01
